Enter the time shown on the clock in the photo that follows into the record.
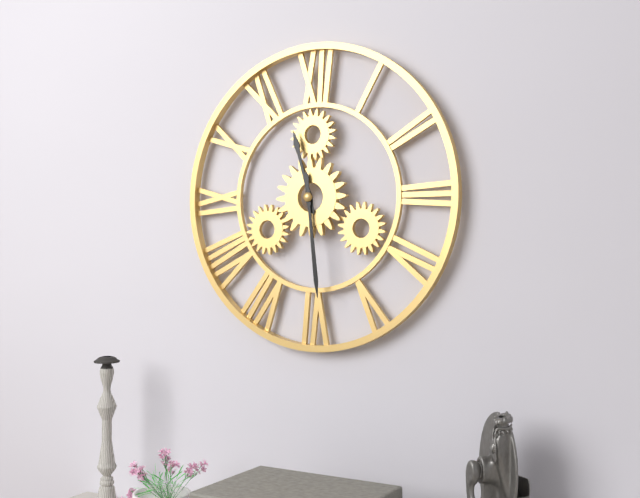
11:29
